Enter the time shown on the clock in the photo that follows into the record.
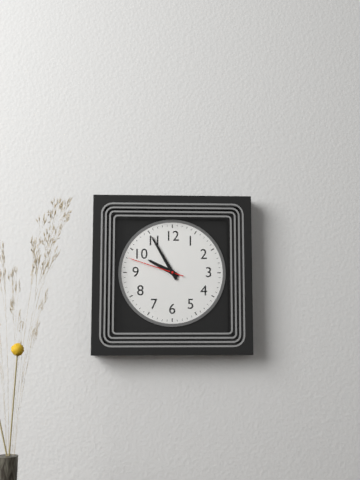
9:55:48
